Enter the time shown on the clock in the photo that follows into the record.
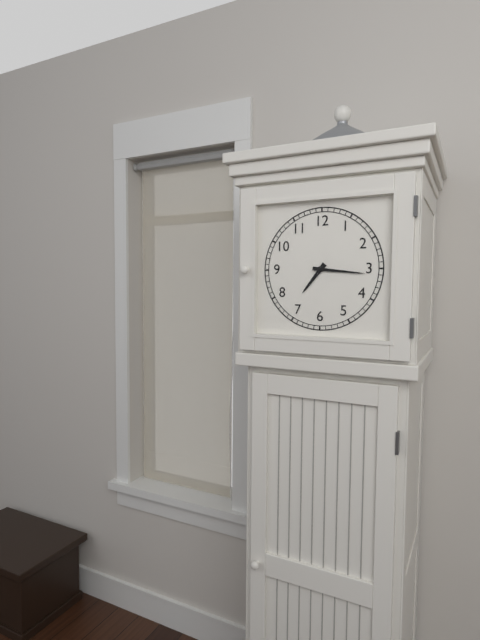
7:16
